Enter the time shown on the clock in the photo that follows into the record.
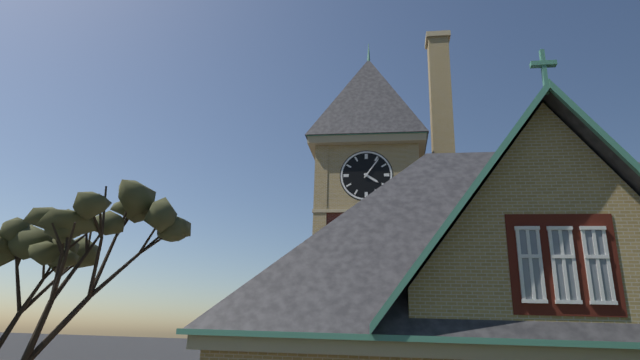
4:06
